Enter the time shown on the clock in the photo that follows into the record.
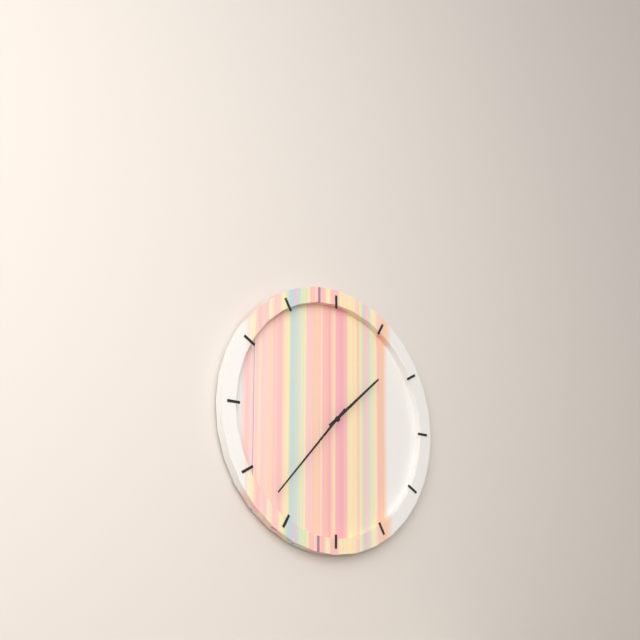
1:37
